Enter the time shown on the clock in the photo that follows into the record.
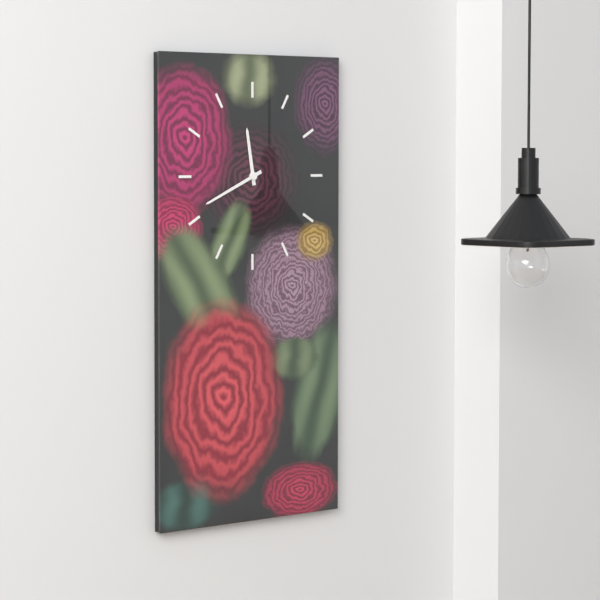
11:41
